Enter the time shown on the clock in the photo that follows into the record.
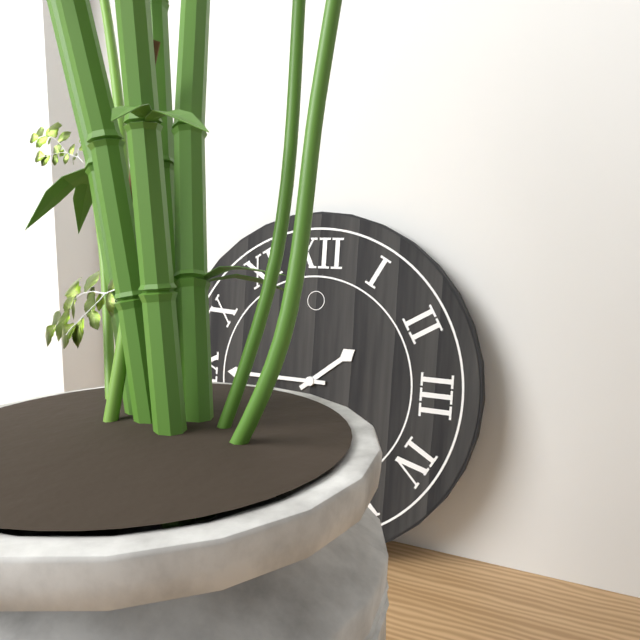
1:45
